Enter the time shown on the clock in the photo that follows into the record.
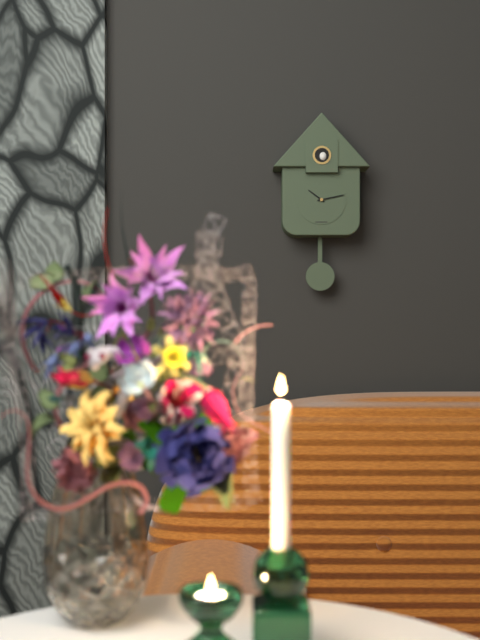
10:13
